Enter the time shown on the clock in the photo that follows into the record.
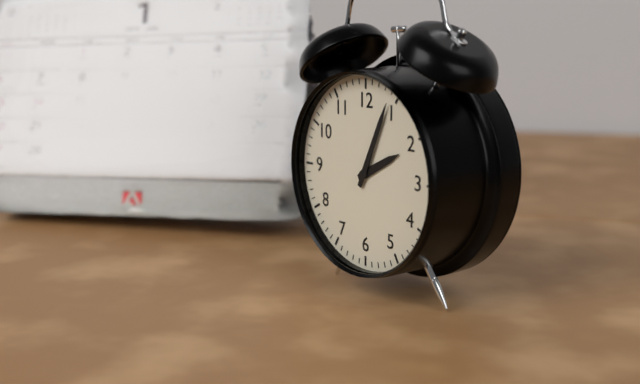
2:04
